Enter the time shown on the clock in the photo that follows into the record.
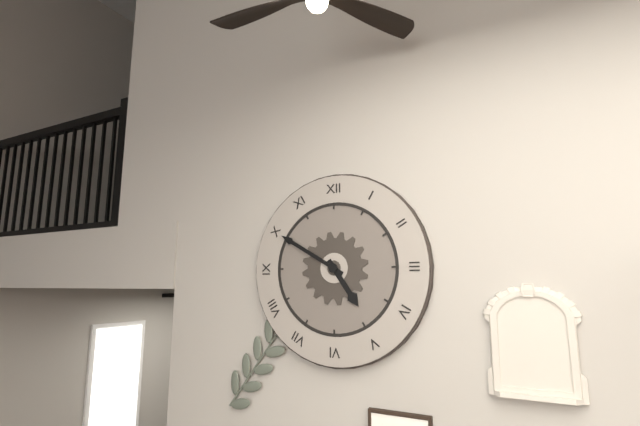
4:50
